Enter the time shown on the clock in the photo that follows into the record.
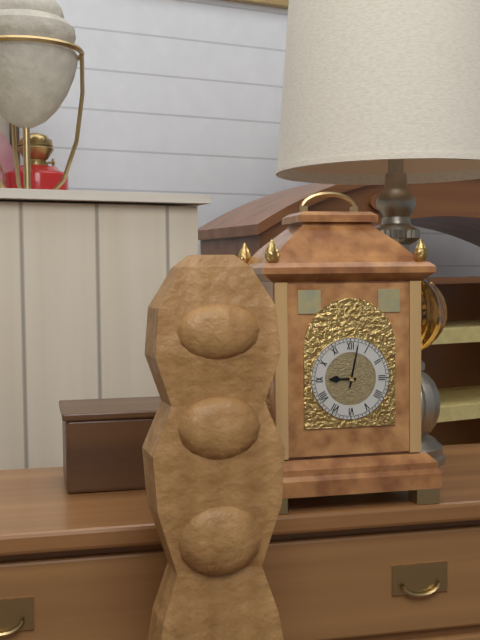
9:02
